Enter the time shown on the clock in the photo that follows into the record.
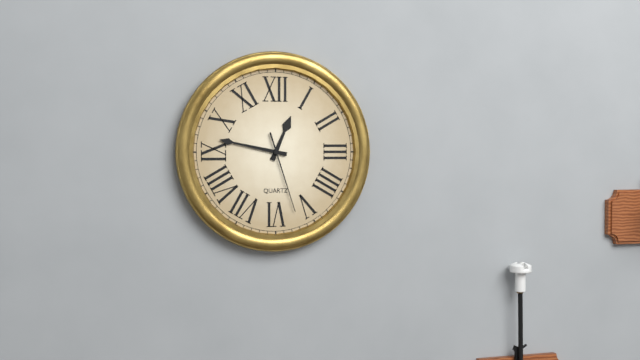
12:47:27
